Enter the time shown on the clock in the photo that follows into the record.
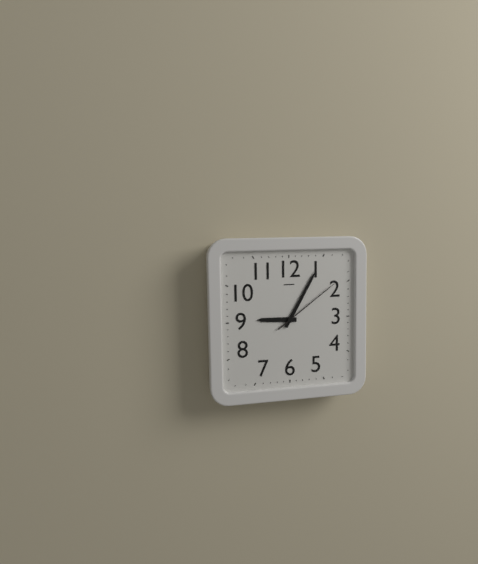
9:05:09
